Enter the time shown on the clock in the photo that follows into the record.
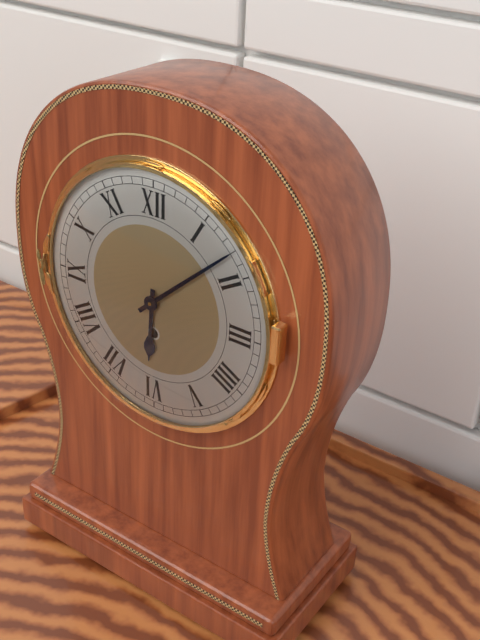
6:08
